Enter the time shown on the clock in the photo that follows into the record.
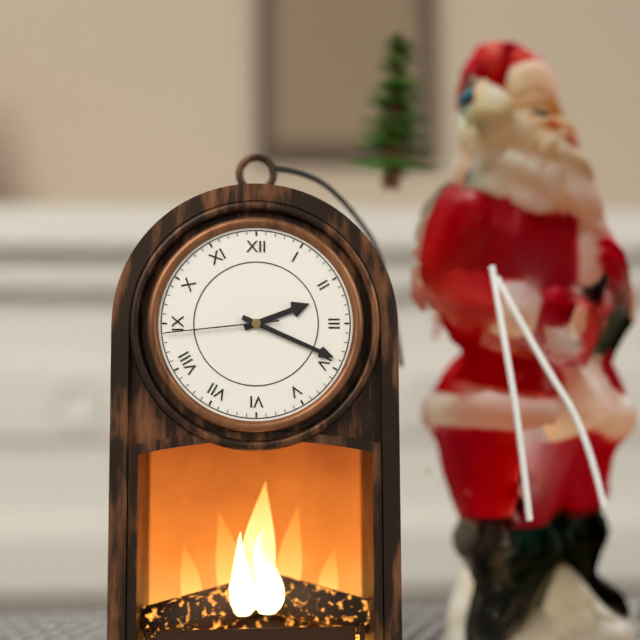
2:19:44
